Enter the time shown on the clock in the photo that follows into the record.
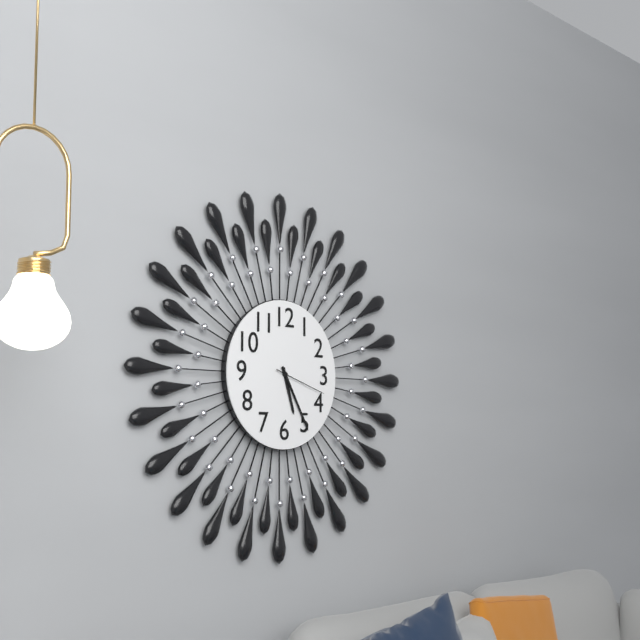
5:25:18
